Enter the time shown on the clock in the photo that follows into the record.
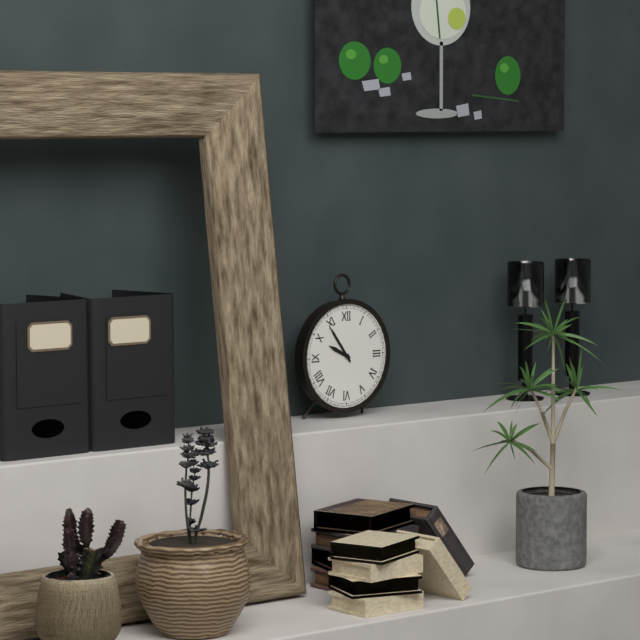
9:54
